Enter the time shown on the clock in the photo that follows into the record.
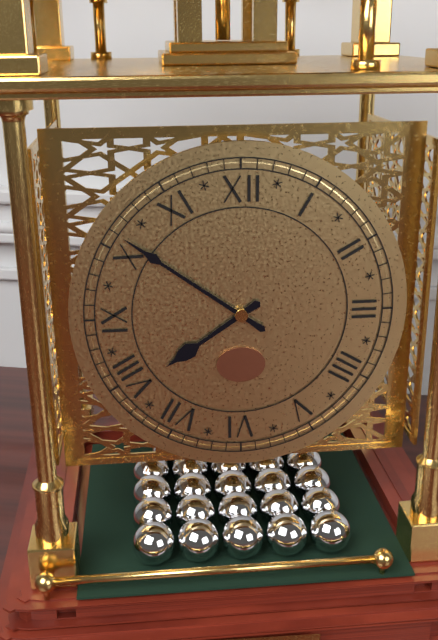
7:51
